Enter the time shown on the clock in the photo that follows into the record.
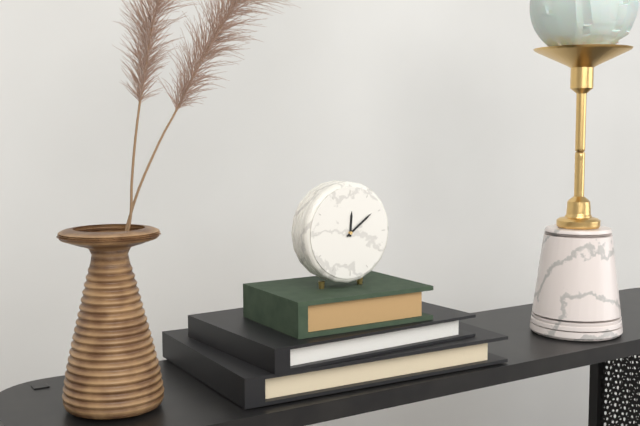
12:09
